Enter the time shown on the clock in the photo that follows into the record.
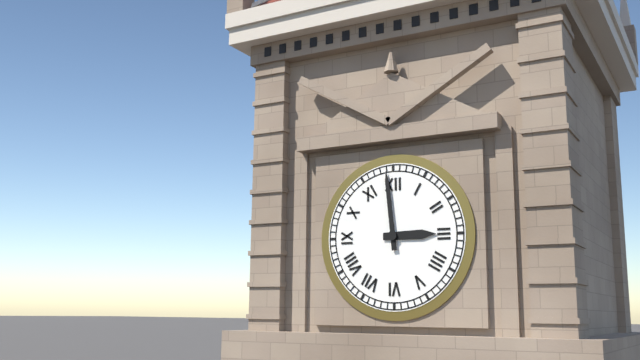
2:59
